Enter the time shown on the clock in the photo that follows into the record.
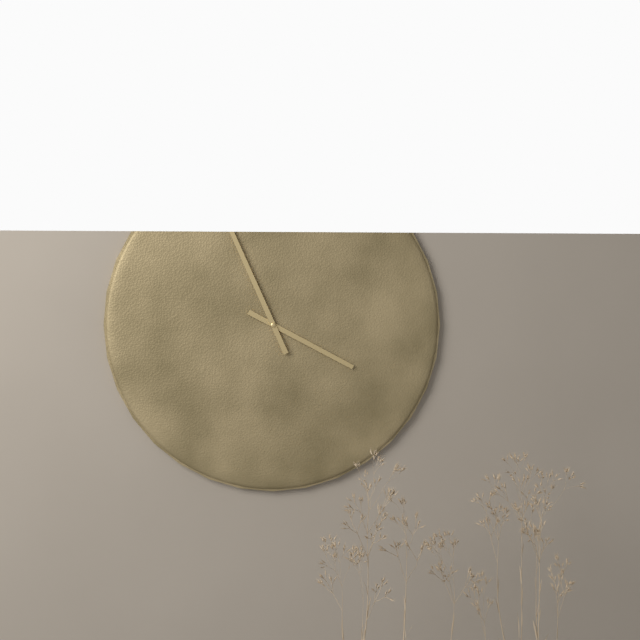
3:56
